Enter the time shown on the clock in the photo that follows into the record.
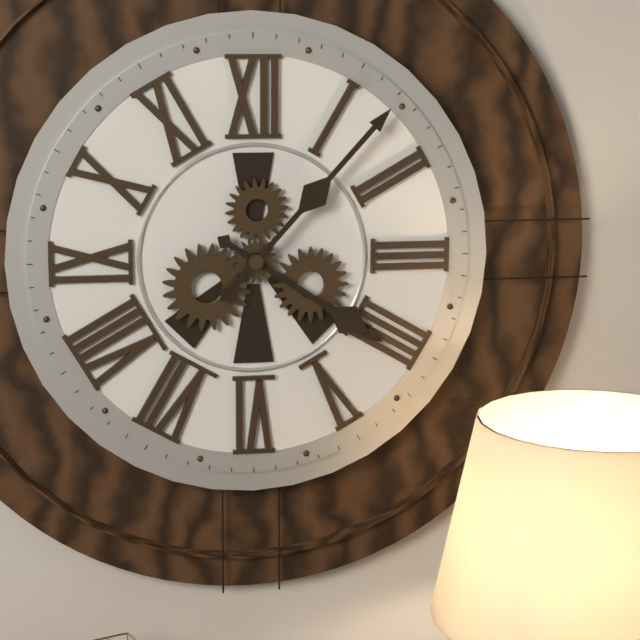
4:07
